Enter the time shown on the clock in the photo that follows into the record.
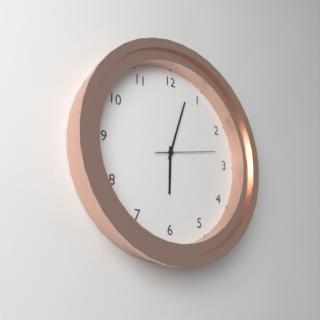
6:03:13
